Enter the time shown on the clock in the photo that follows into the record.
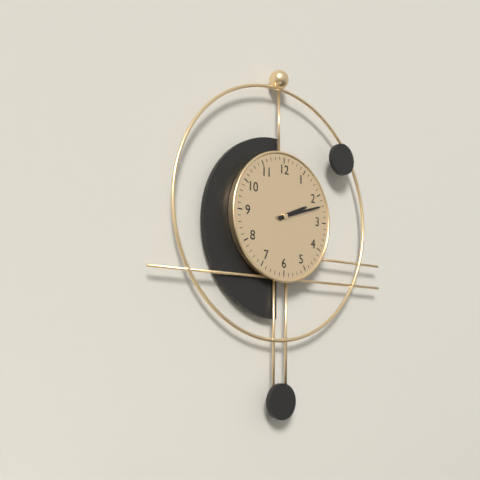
2:12
